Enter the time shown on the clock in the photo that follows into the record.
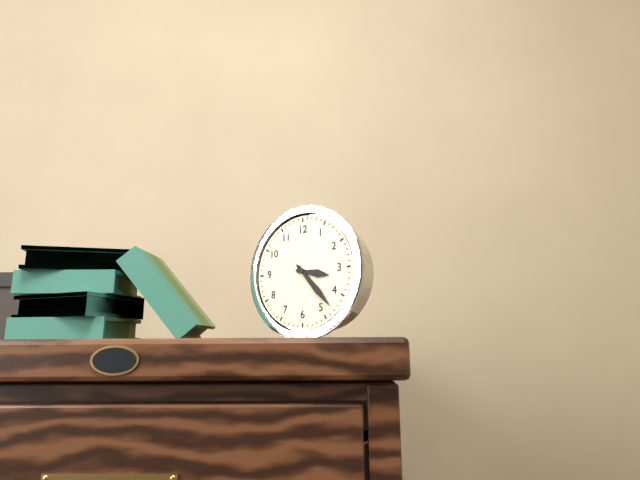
3:23
